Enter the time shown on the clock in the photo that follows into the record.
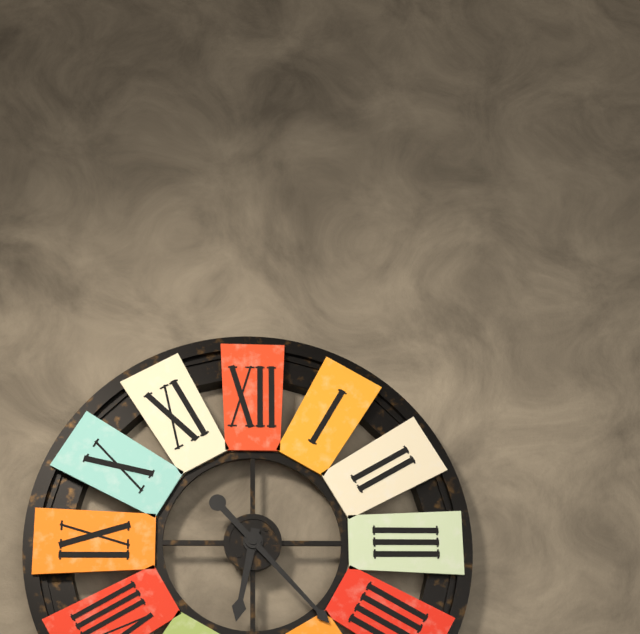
6:23
